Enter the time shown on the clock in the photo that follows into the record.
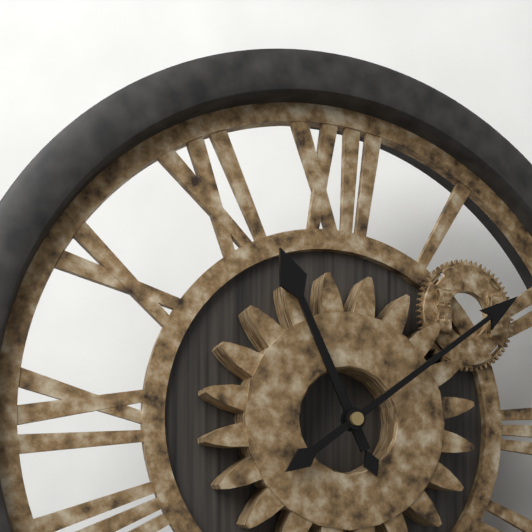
11:09
